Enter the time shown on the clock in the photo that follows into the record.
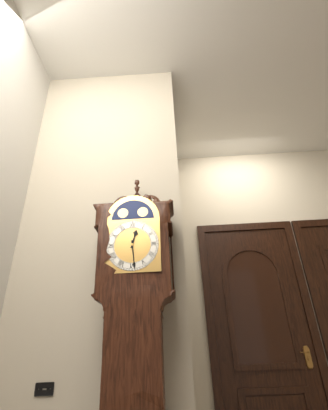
12:29
